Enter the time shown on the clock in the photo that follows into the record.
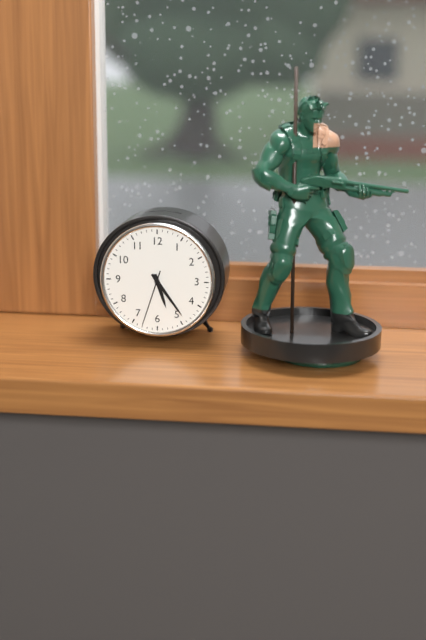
5:24:33
